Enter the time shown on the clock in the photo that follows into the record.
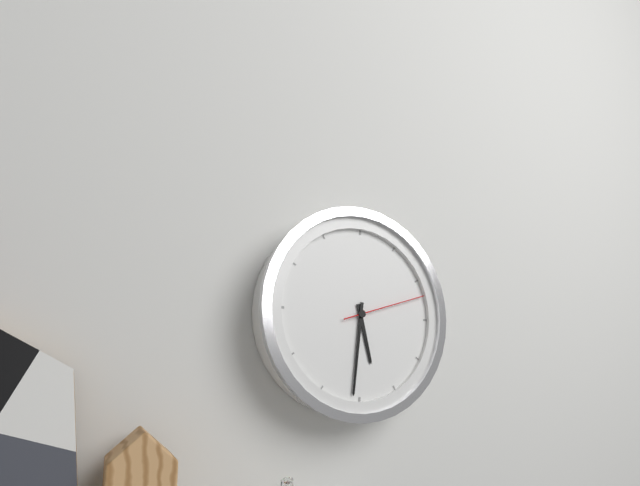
5:31:12
